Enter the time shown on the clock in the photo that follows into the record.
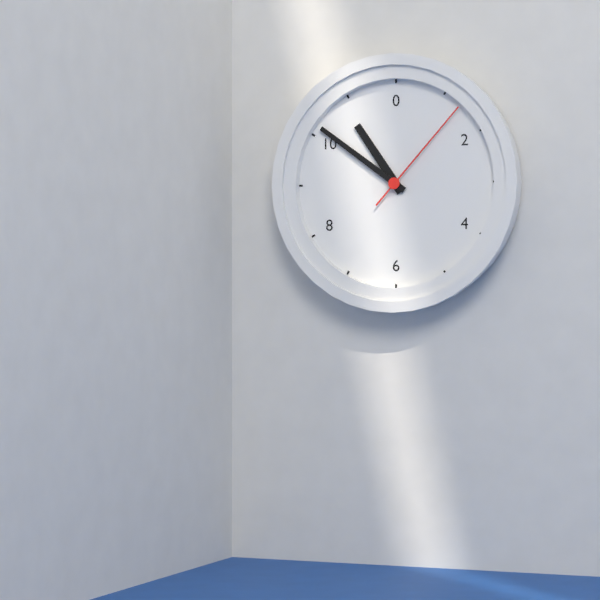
10:51:07
